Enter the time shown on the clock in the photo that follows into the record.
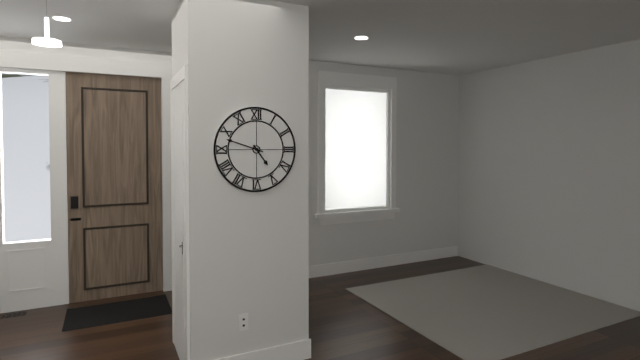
4:48
